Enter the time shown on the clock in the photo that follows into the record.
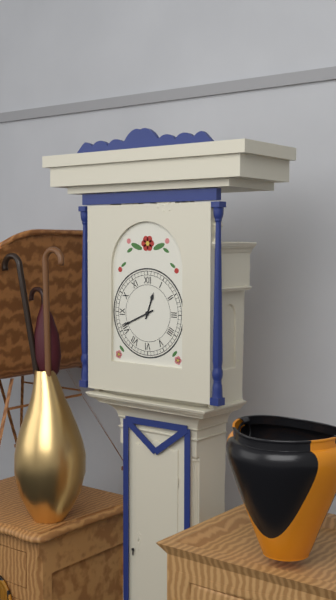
12:41
